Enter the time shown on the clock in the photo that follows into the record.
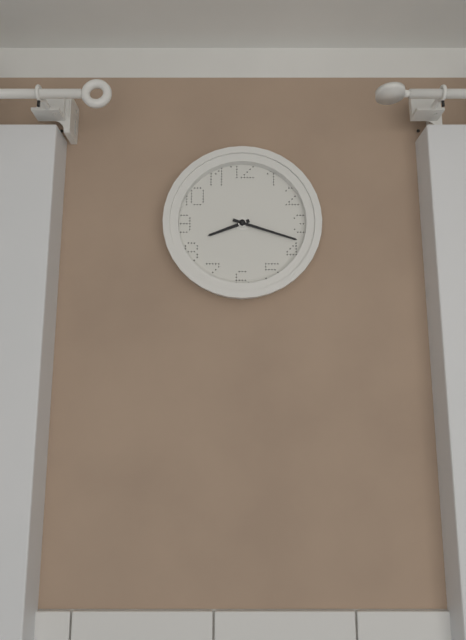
8:18
